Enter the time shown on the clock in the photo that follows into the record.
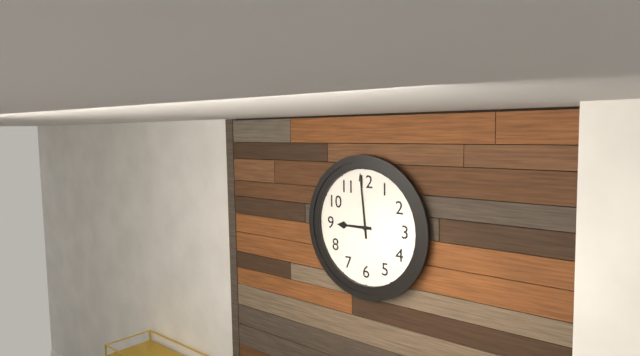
8:59
